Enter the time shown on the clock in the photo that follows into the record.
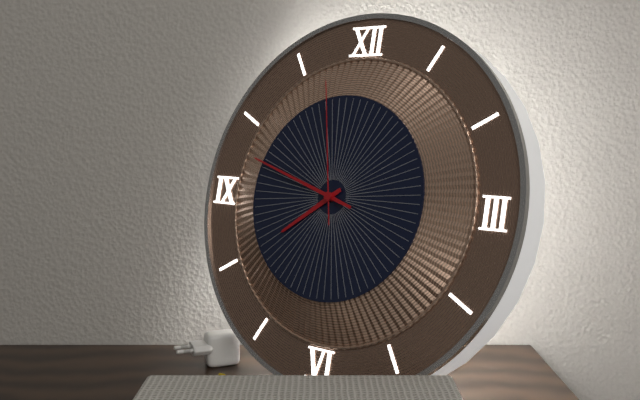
7:48:58
